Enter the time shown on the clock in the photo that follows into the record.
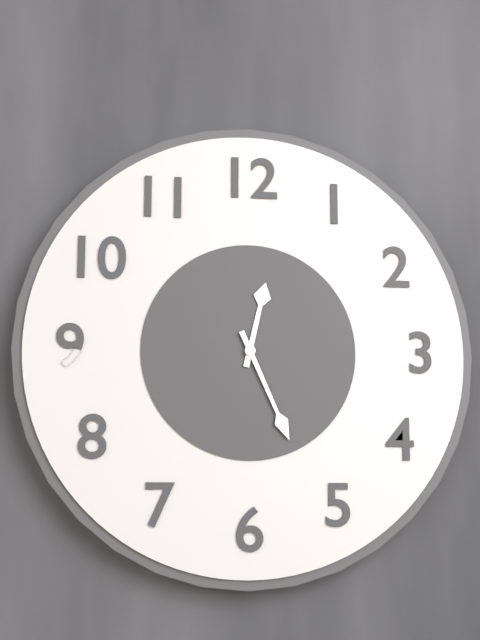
12:26
